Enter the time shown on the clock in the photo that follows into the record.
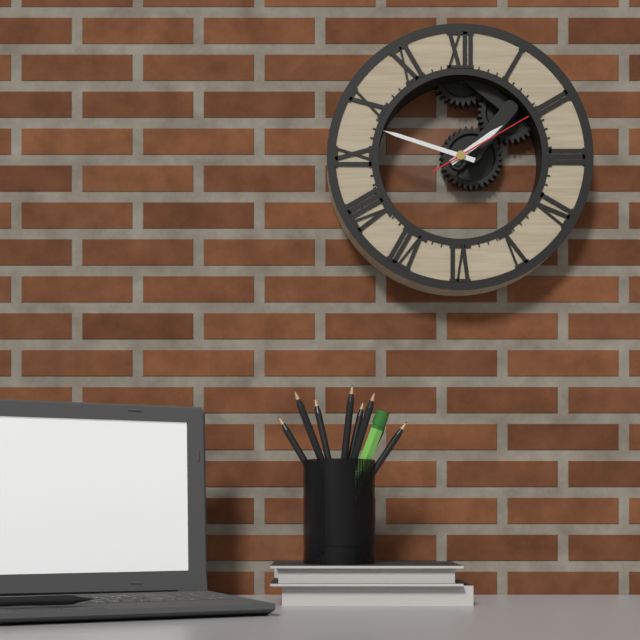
1:48:10
